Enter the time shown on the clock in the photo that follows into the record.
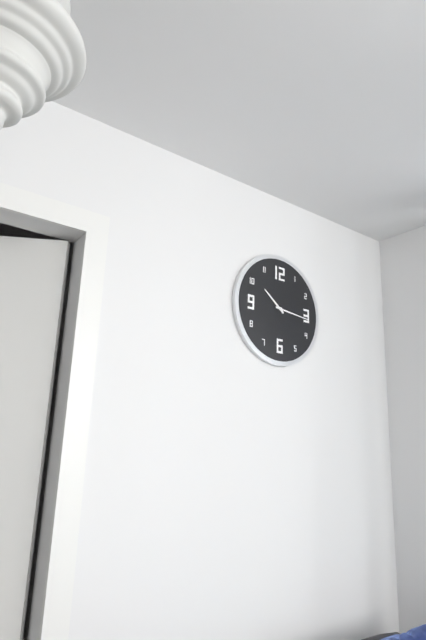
10:16
